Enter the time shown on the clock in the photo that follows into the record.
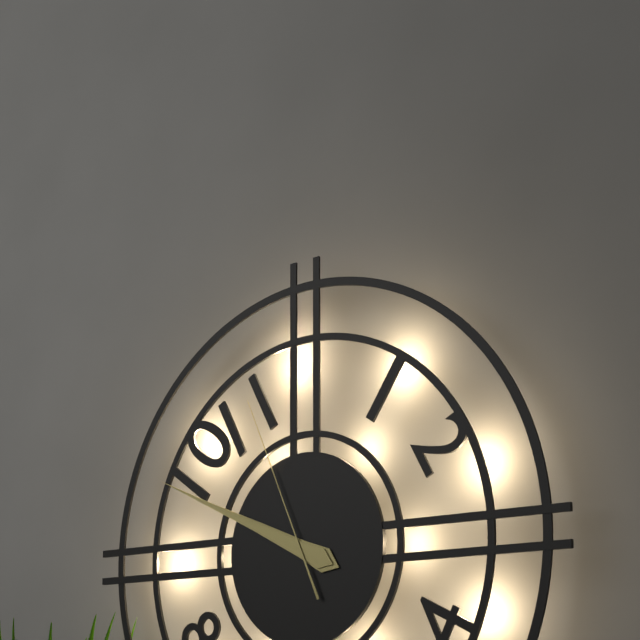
9:49:56
